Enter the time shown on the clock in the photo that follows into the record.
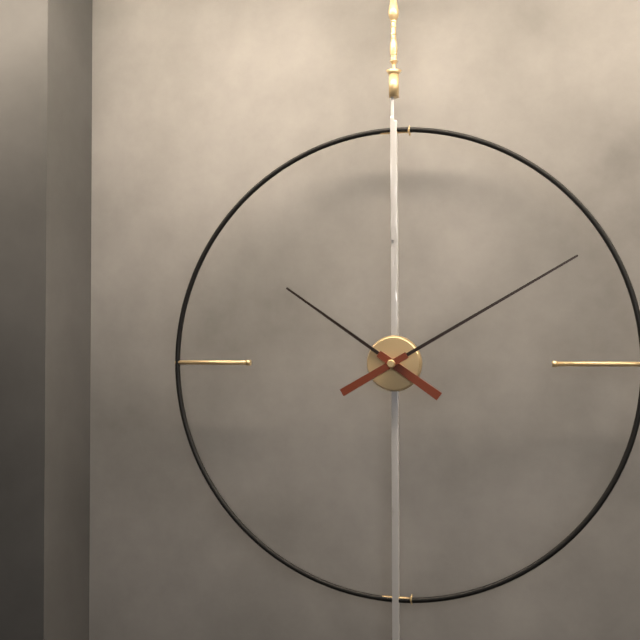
10:10
